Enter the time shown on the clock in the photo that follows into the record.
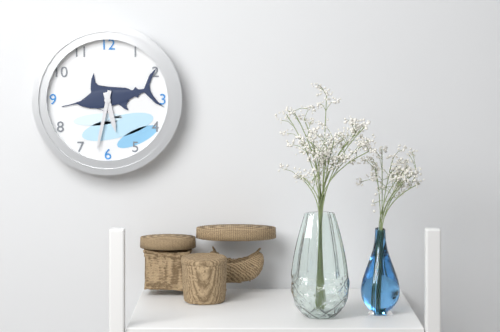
5:32
